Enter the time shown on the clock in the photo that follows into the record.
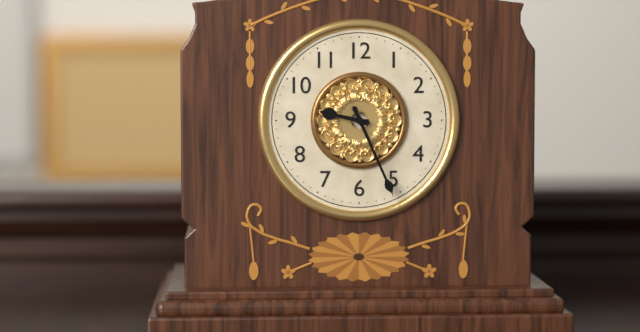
9:26
